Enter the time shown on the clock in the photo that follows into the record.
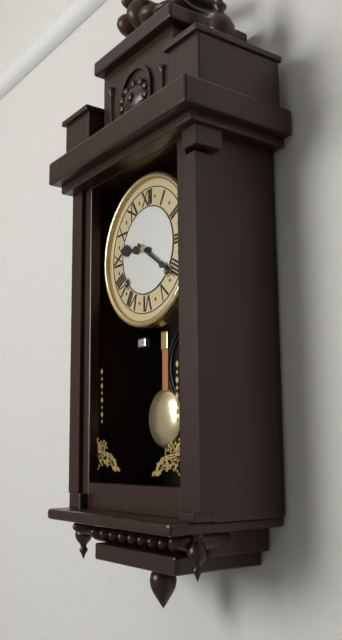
9:21
